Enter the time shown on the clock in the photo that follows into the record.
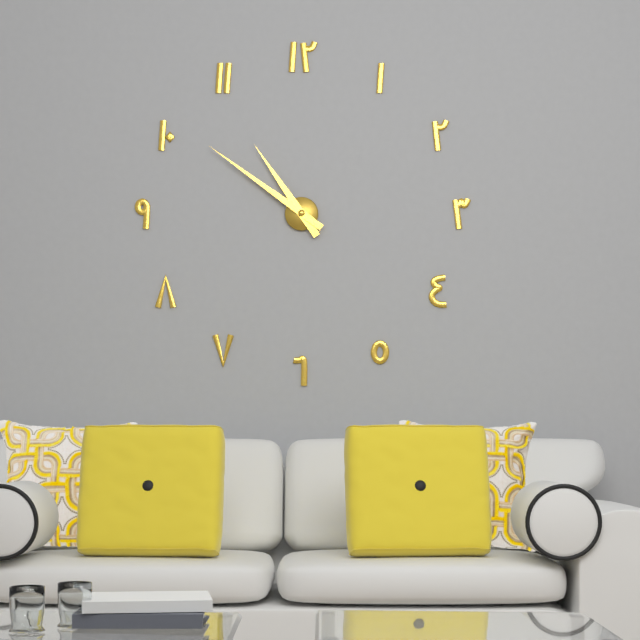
10:51
